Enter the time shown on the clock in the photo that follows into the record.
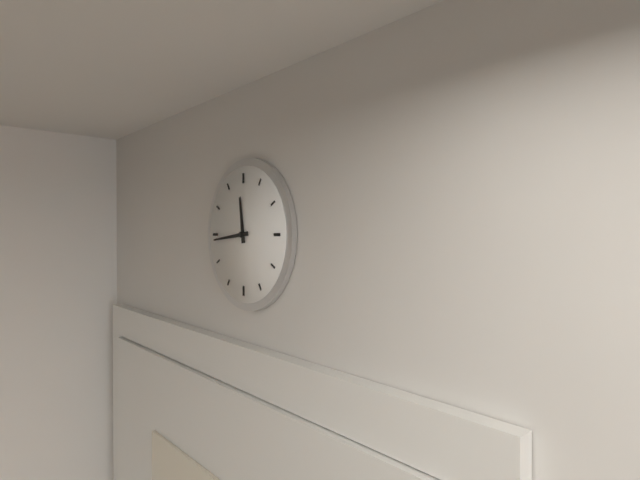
11:44
